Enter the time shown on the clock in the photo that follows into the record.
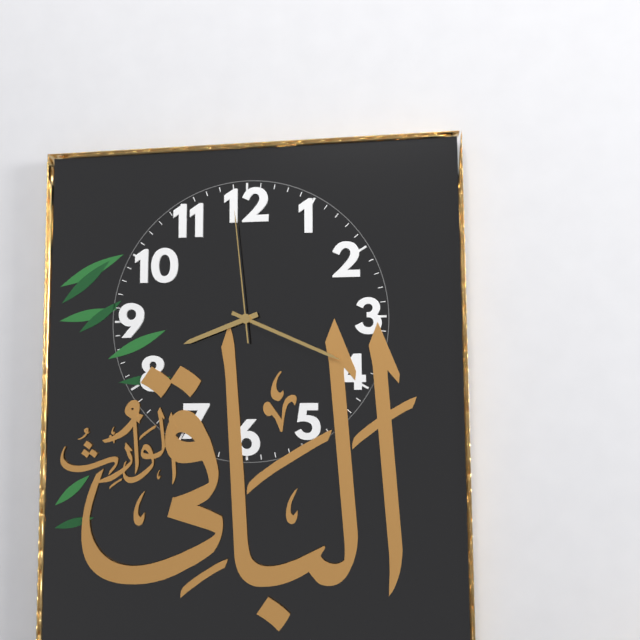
8:19:59
